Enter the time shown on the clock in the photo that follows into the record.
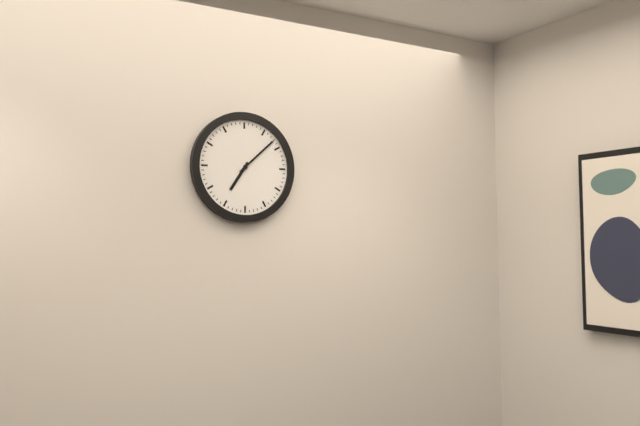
7:08
